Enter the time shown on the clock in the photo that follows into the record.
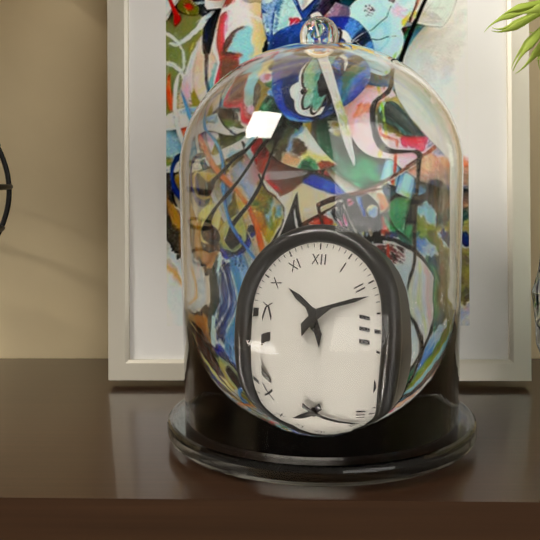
10:12
